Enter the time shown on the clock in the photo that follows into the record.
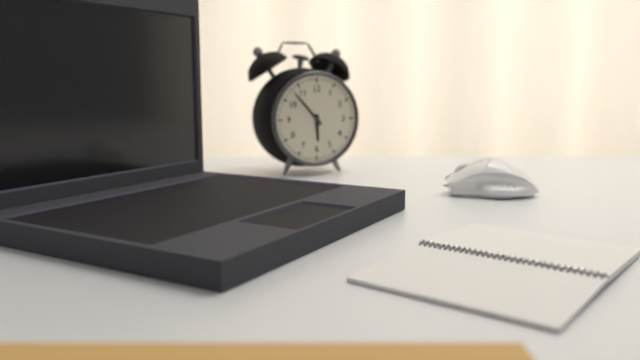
5:53
